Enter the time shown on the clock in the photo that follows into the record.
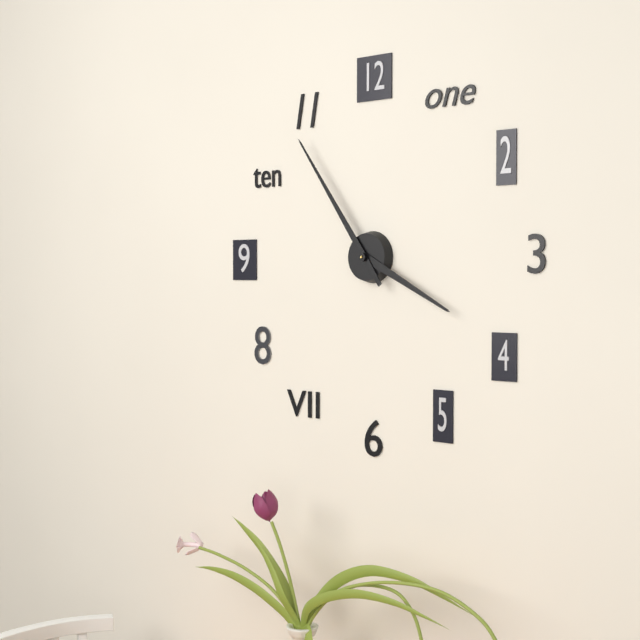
3:54
